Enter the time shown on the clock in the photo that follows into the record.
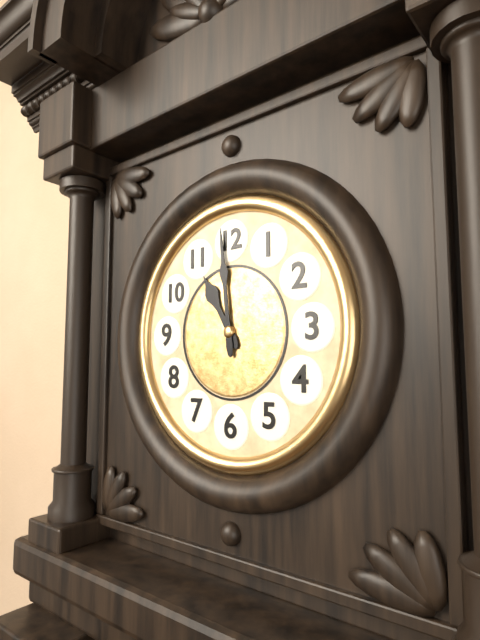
10:59
